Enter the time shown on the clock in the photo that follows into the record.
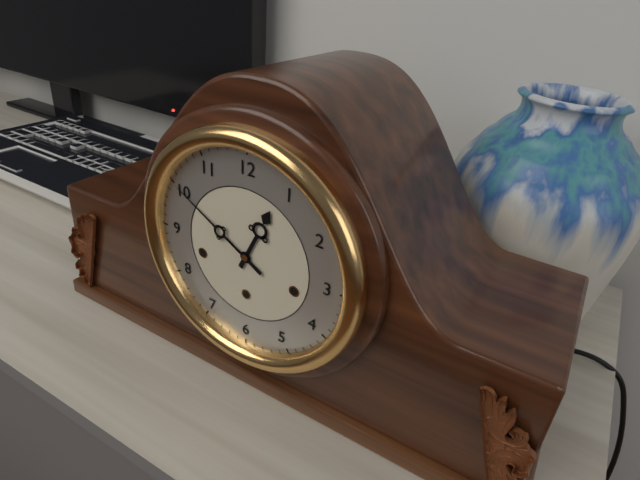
12:50
